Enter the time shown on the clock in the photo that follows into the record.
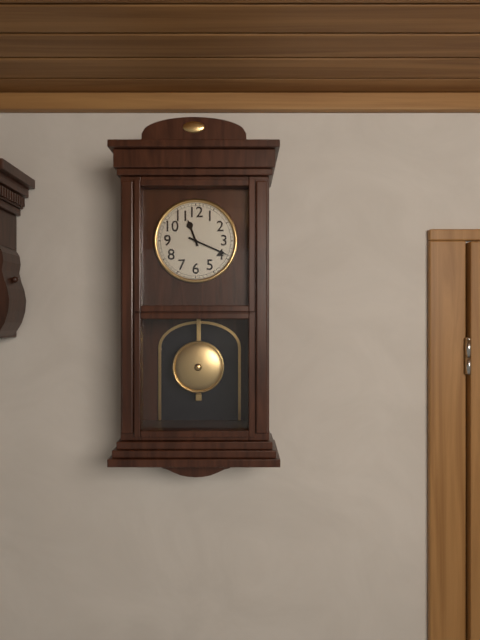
11:19
